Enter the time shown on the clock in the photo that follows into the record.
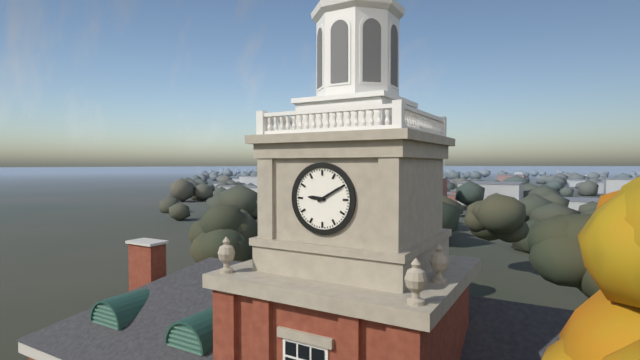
9:10
